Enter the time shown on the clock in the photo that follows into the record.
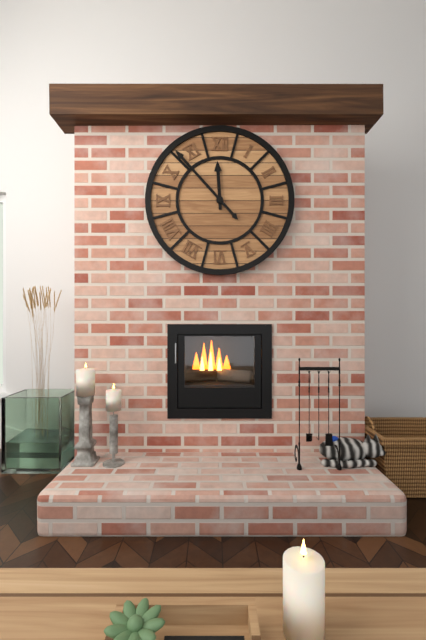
11:53
